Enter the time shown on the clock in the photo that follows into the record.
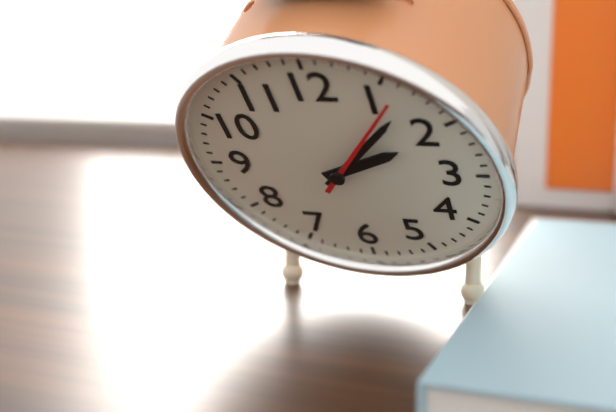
2:07:06
